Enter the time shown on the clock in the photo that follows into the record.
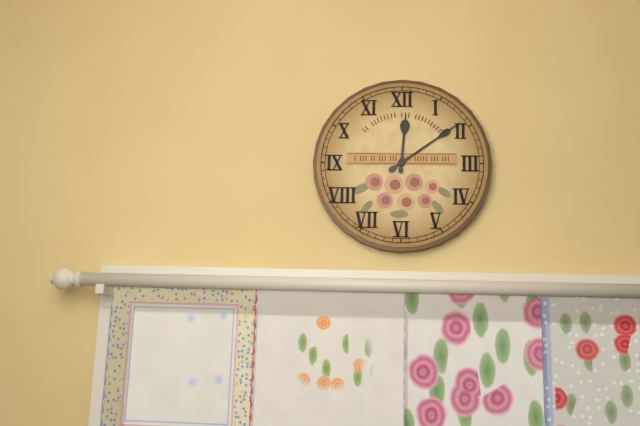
12:09
